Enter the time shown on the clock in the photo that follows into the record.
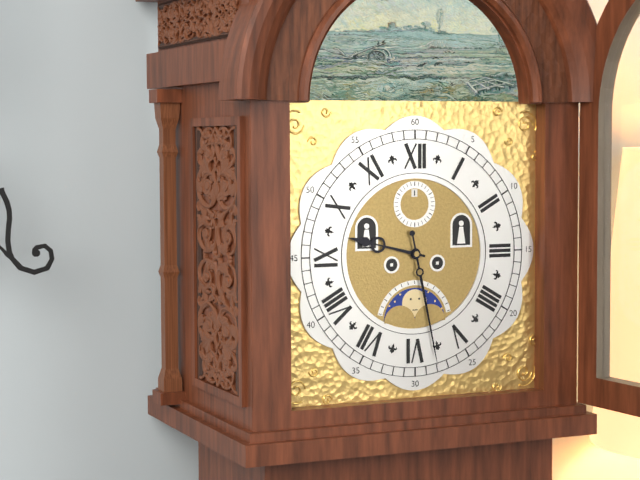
9:28
